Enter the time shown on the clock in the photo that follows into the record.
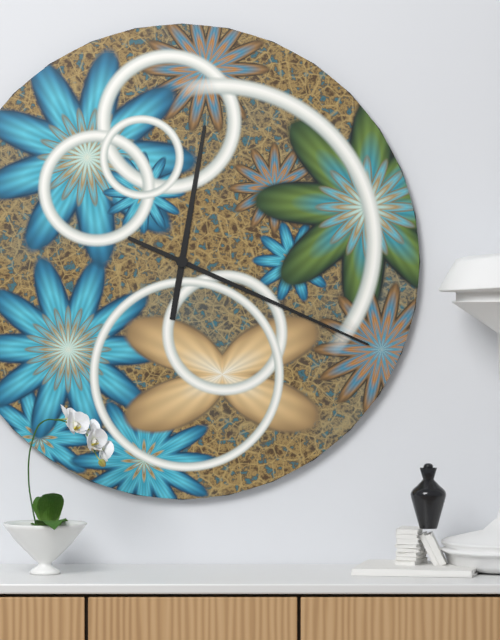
12:19
